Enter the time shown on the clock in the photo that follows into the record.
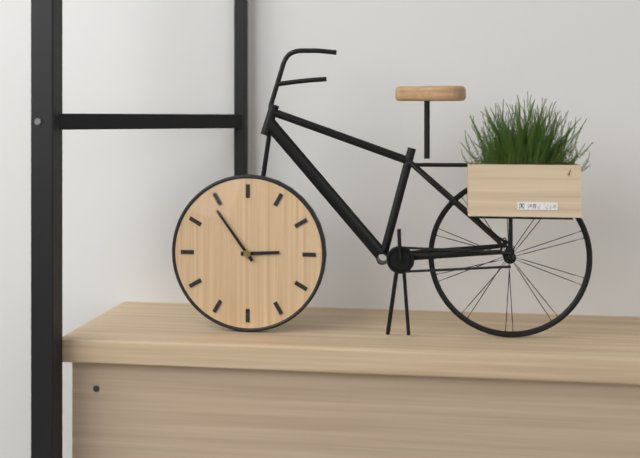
2:54
